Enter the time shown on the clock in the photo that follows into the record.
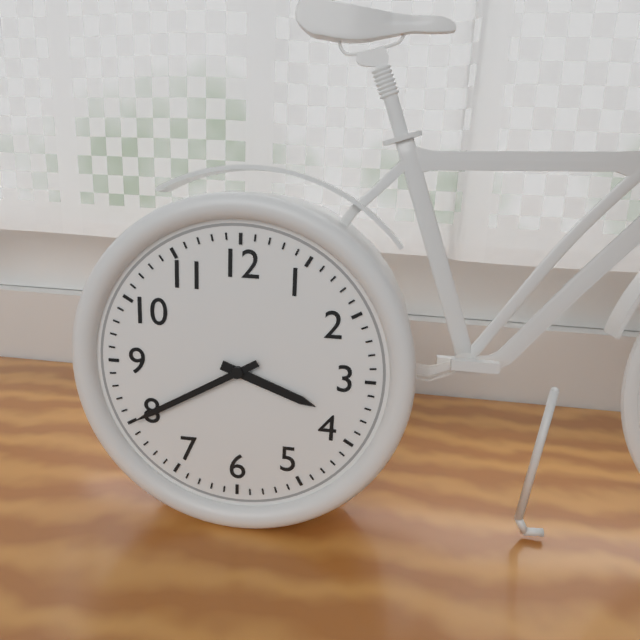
3:40
